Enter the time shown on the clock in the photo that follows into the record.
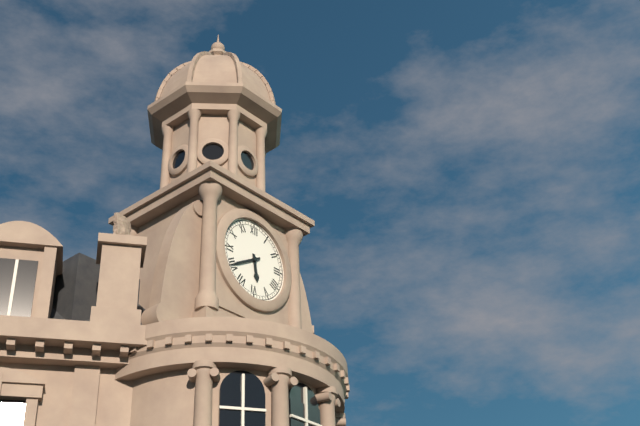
5:40
